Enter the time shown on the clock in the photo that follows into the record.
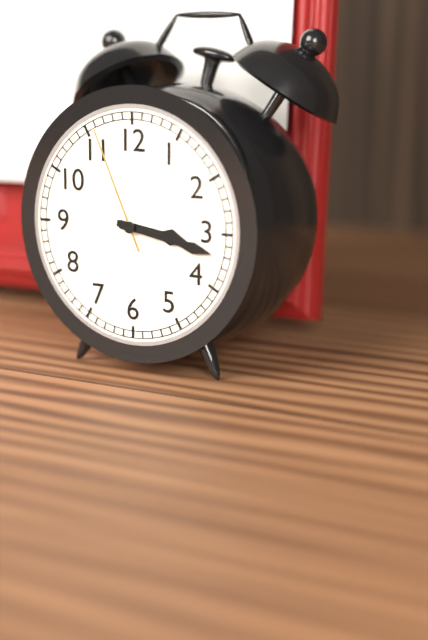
3:17:56
